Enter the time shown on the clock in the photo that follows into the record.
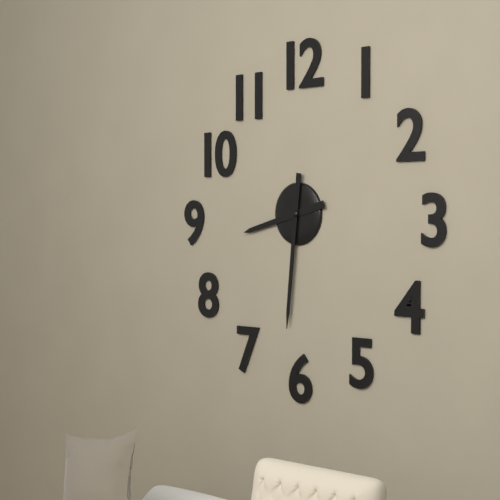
8:31
